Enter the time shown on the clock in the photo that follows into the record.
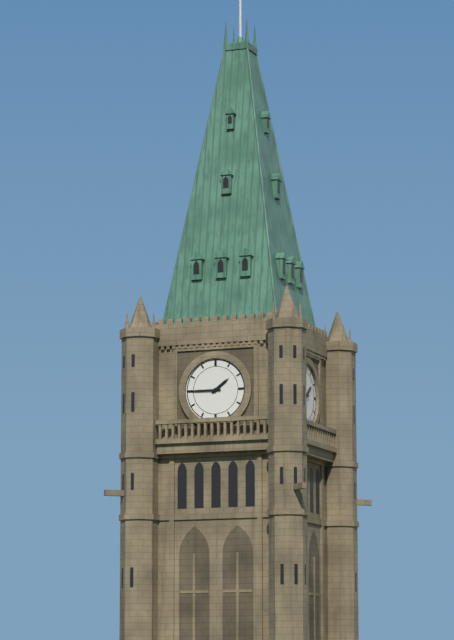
1:45
